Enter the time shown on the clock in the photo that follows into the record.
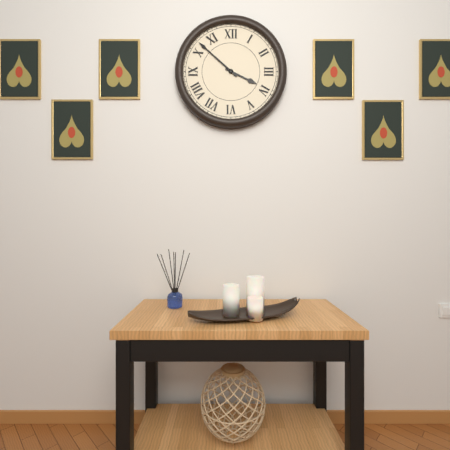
3:52
